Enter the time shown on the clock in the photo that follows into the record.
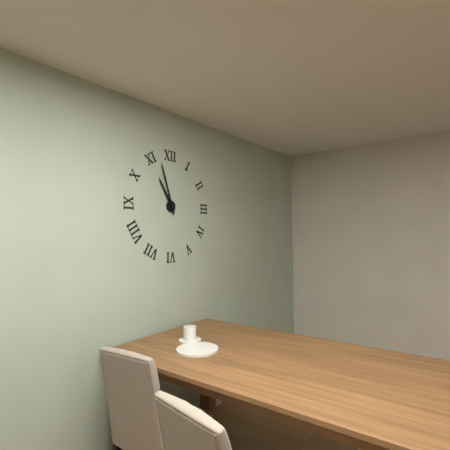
10:57
